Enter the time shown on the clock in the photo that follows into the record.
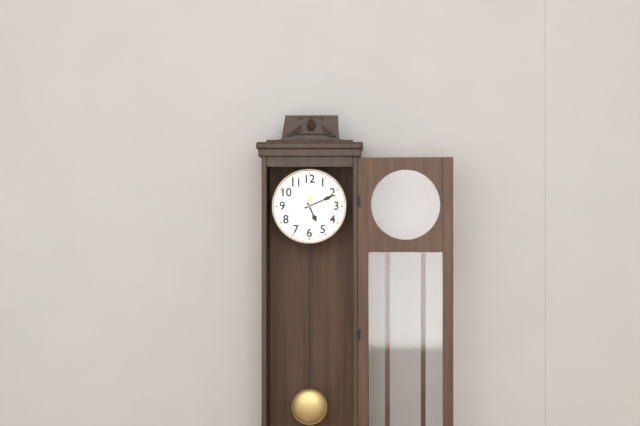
5:11
